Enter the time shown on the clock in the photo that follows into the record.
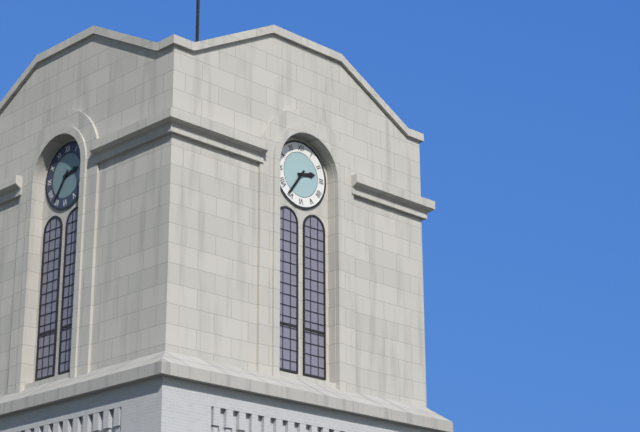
2:36
